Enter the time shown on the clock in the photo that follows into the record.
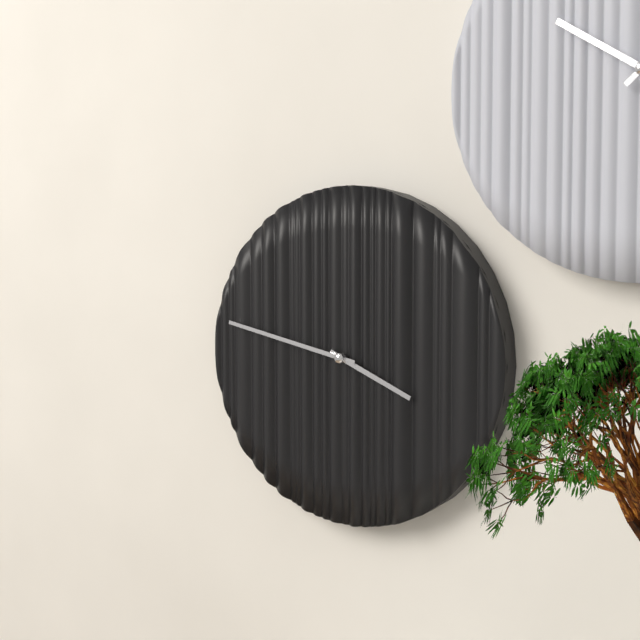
3:47
